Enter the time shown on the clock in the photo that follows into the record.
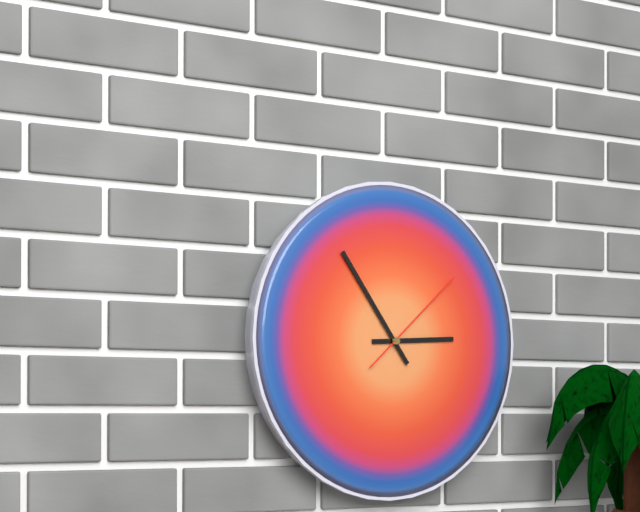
2:54:08
